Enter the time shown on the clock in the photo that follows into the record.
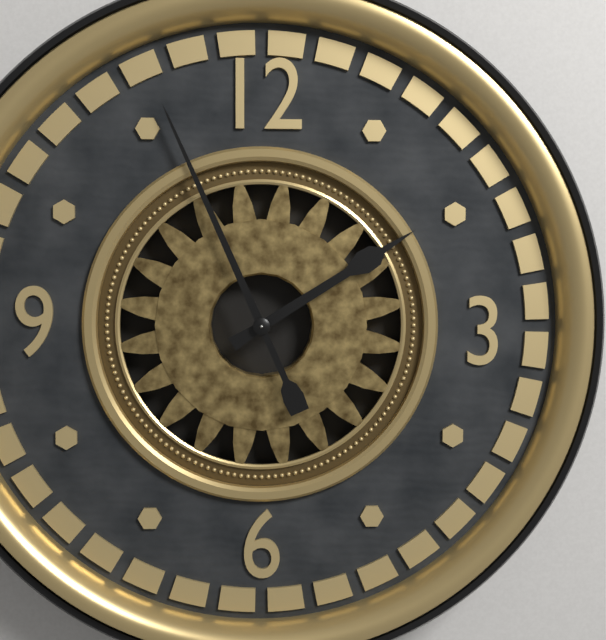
1:56
